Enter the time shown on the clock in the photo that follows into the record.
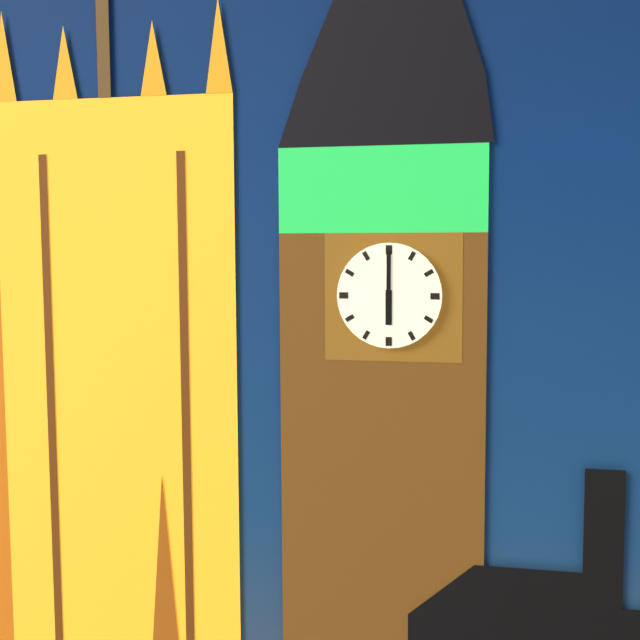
6:00
